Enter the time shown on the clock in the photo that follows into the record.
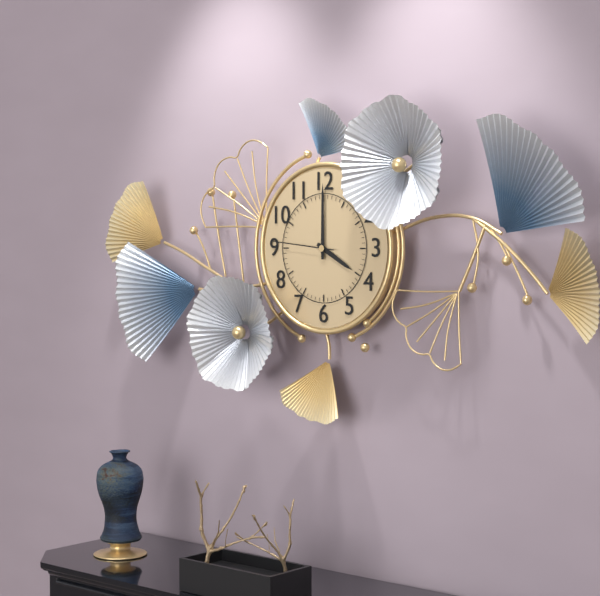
4:00:46
